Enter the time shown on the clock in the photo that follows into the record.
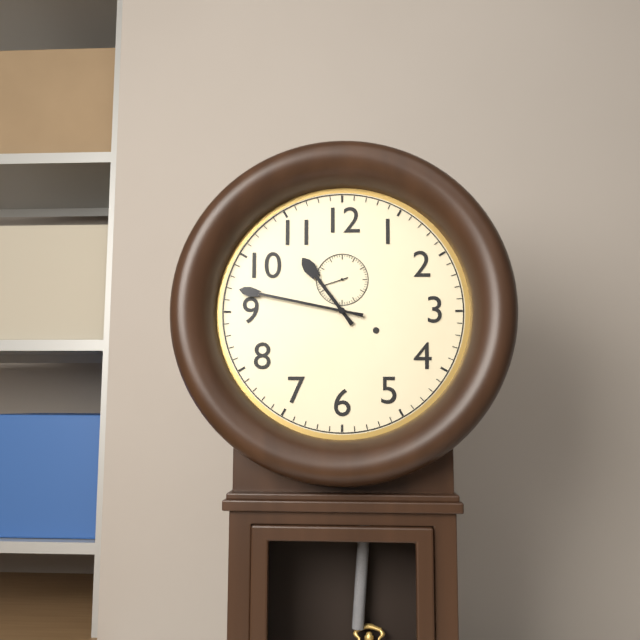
10:47
